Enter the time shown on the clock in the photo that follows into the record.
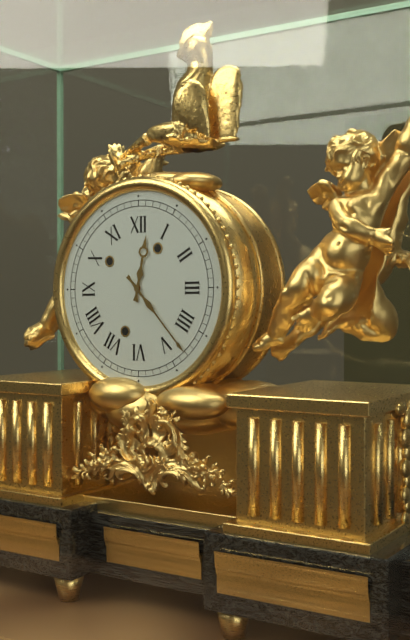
12:23
